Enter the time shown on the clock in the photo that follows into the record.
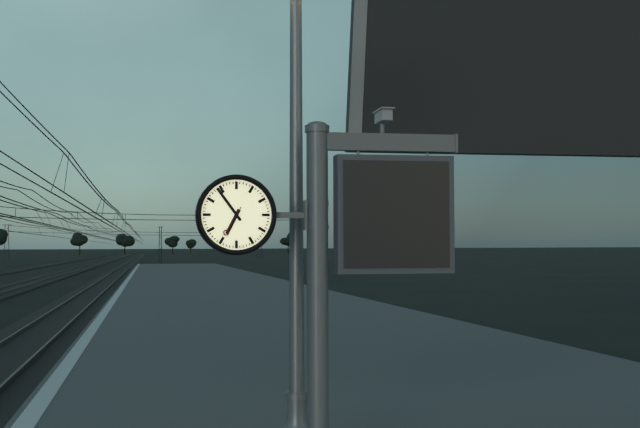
6:54
